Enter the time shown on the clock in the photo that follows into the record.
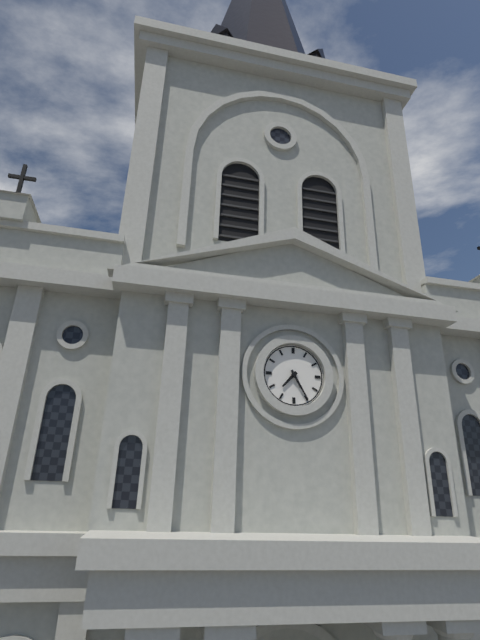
7:25
